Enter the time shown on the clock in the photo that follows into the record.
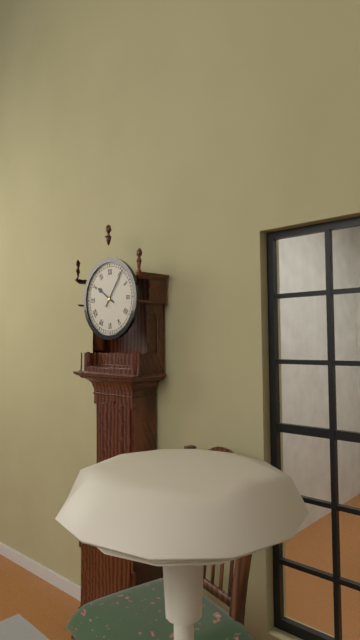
10:06
